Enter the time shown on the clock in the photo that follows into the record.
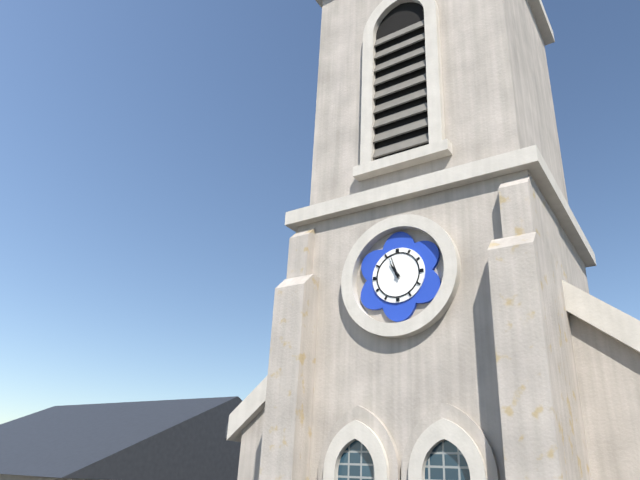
10:57
